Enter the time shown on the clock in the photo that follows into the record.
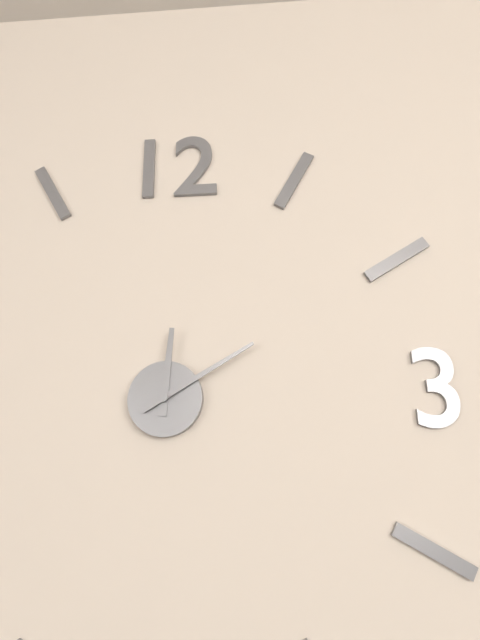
12:10
